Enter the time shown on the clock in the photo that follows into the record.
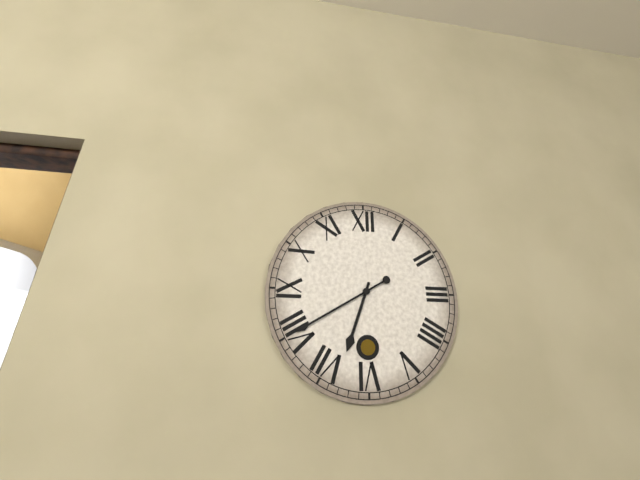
6:40
